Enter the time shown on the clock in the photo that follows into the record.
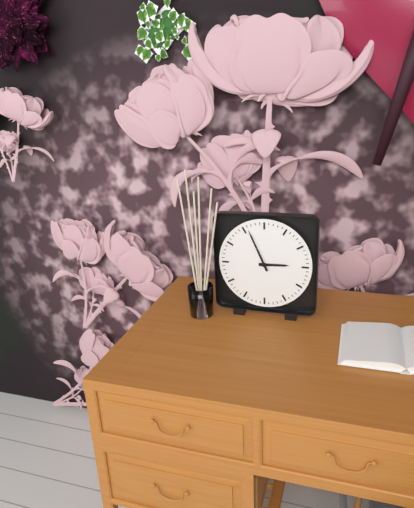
2:56
